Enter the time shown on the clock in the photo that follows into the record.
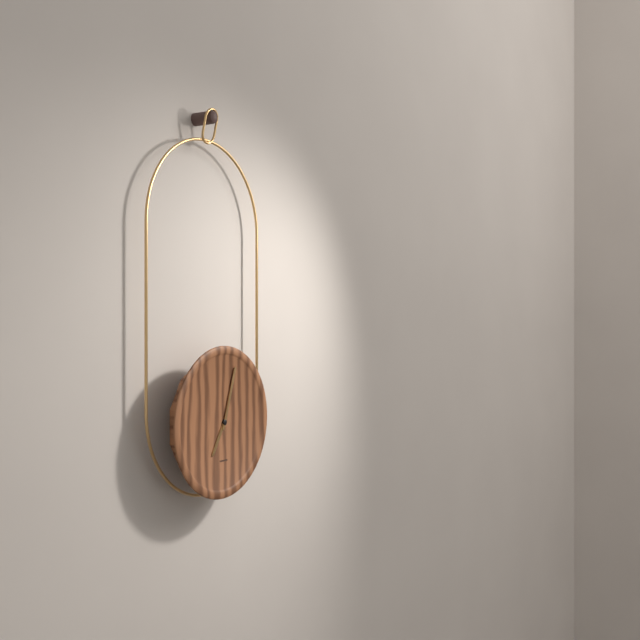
7:03
